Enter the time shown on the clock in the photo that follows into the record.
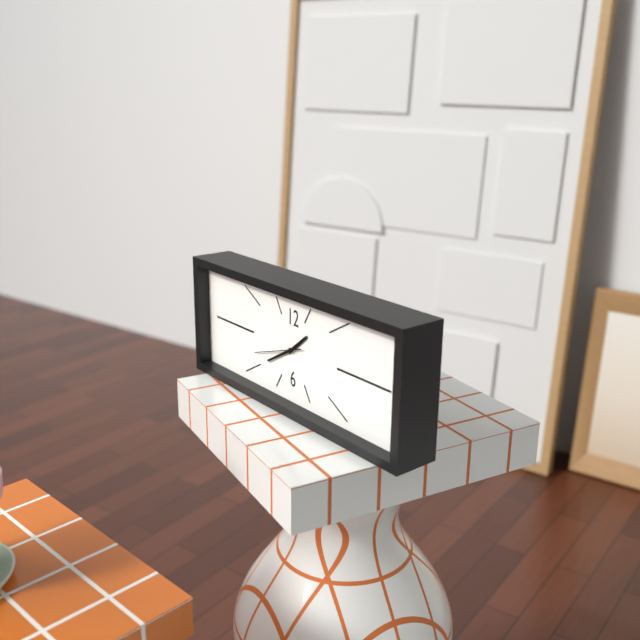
1:40
